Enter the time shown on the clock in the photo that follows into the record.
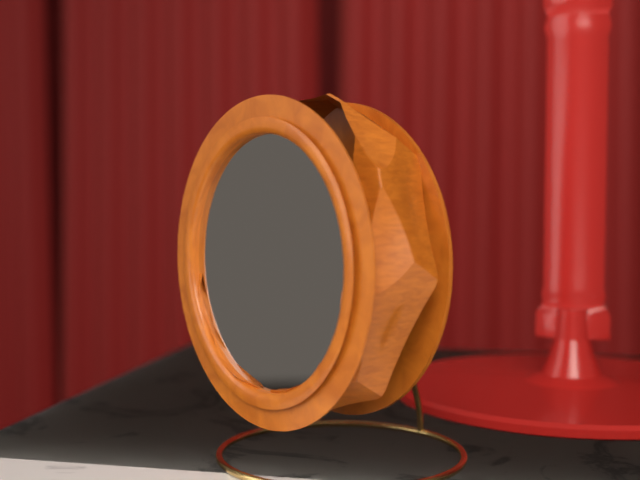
10:36:04
